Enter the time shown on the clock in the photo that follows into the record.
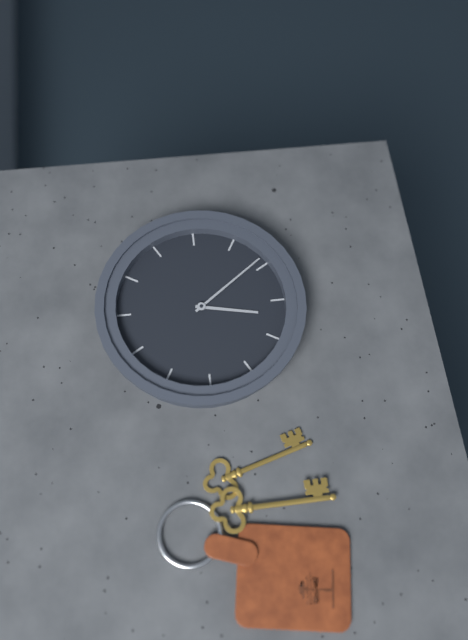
6:24
